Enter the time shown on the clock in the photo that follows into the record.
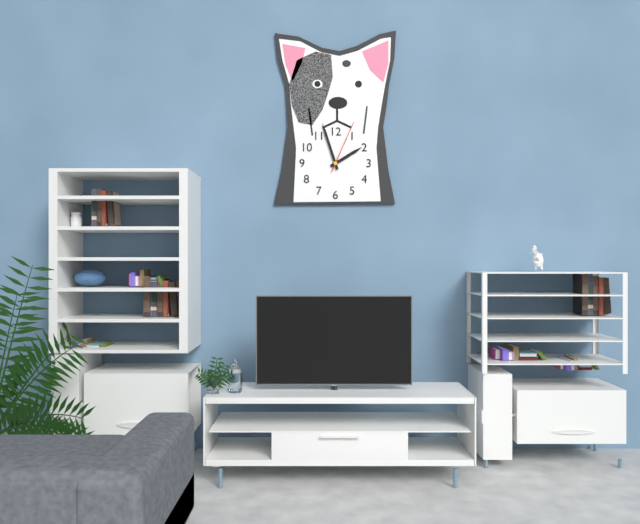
1:57:04
